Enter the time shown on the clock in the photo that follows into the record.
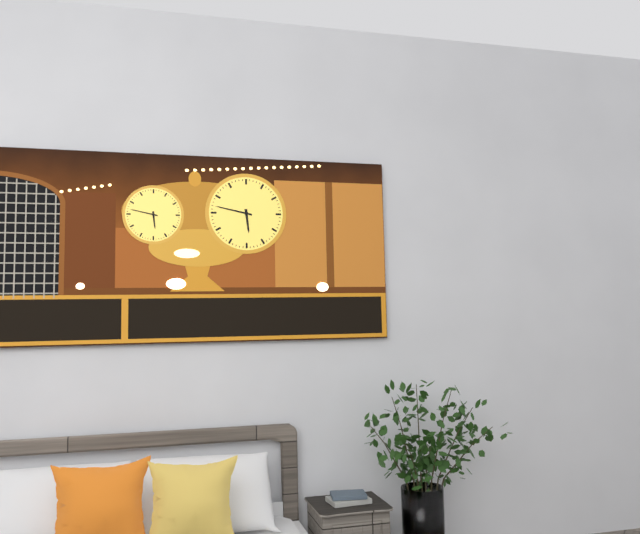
5:47
